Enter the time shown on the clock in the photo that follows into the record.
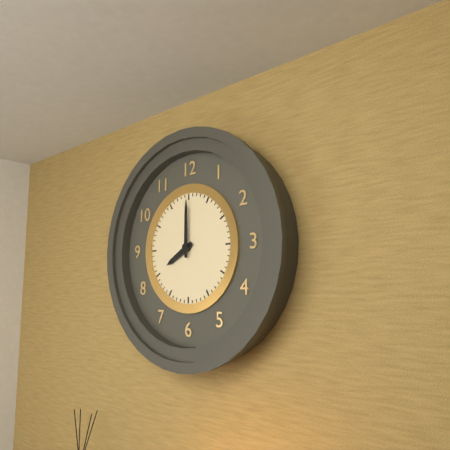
8:00
